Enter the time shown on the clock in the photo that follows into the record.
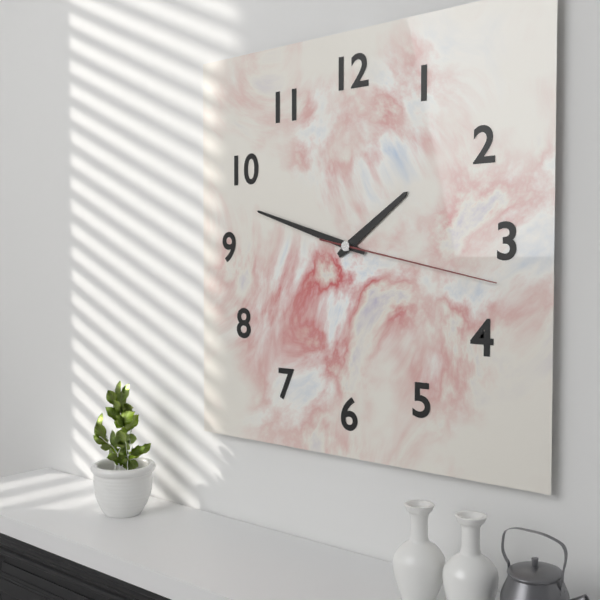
1:48:17
